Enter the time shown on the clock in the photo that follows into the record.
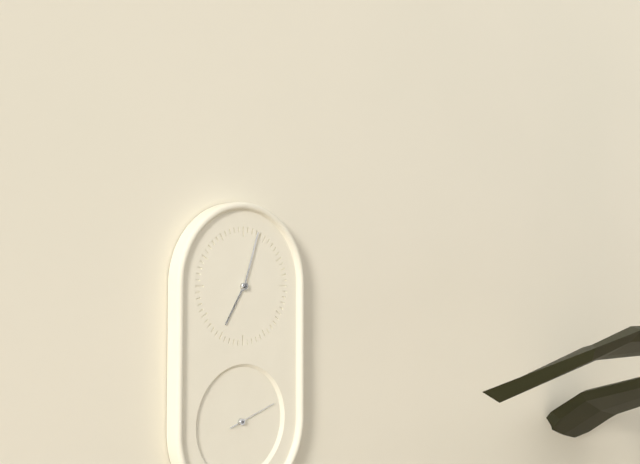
7:03
